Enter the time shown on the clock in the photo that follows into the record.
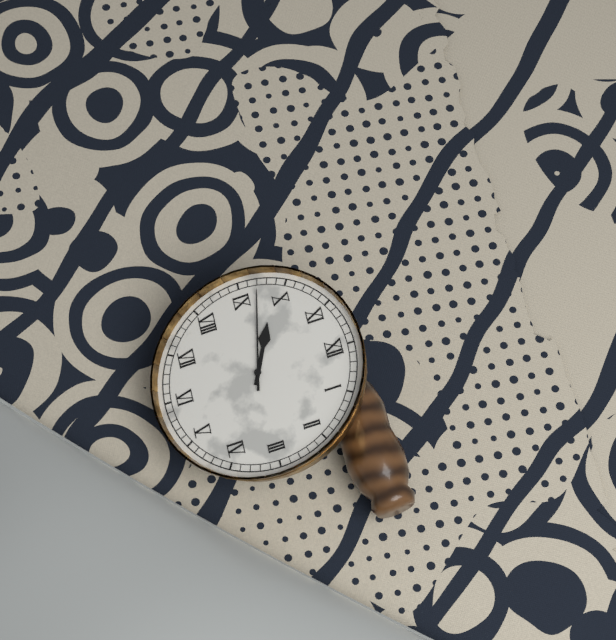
9:47
